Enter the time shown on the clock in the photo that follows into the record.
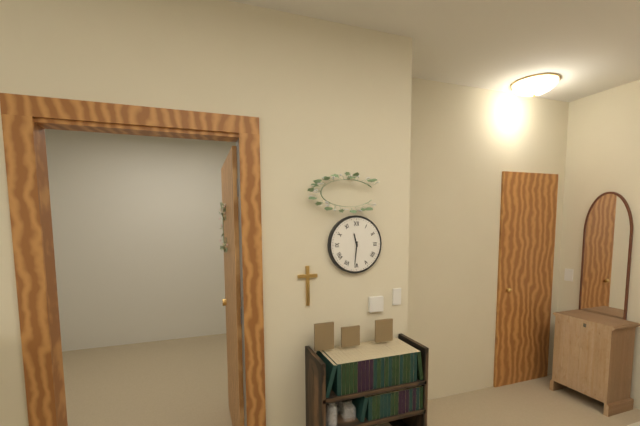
11:31
